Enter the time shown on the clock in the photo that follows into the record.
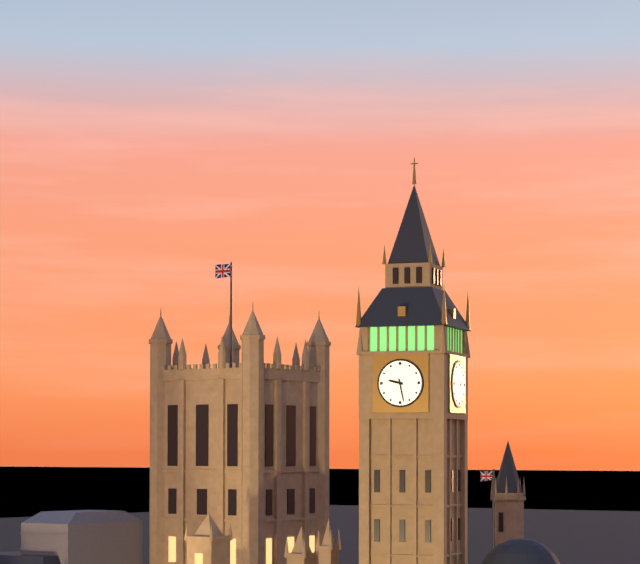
9:28
